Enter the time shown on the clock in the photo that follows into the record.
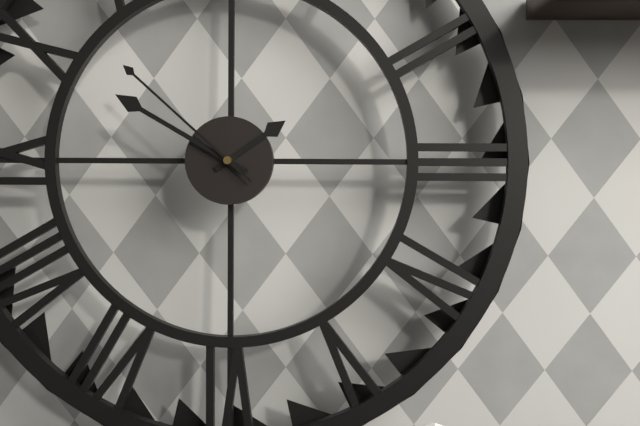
1:50:52
